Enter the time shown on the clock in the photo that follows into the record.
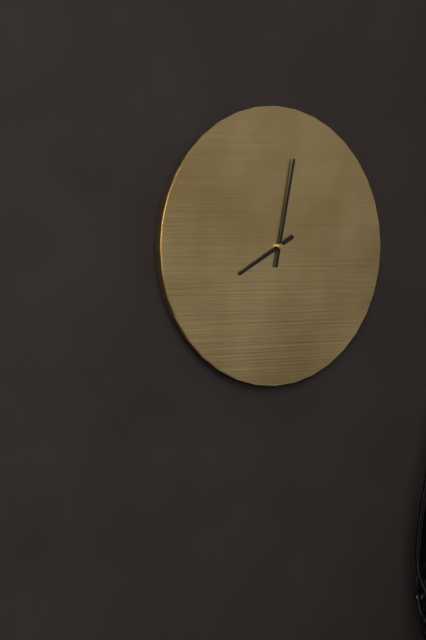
8:02
